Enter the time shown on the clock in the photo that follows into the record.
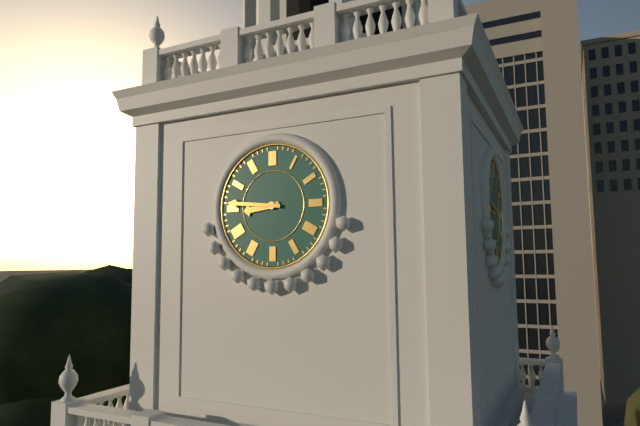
8:46
